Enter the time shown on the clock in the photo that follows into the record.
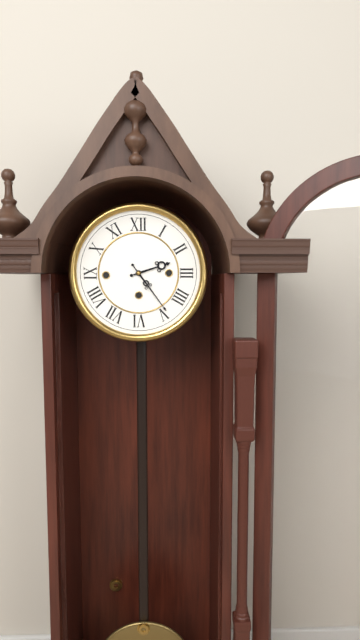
2:24
